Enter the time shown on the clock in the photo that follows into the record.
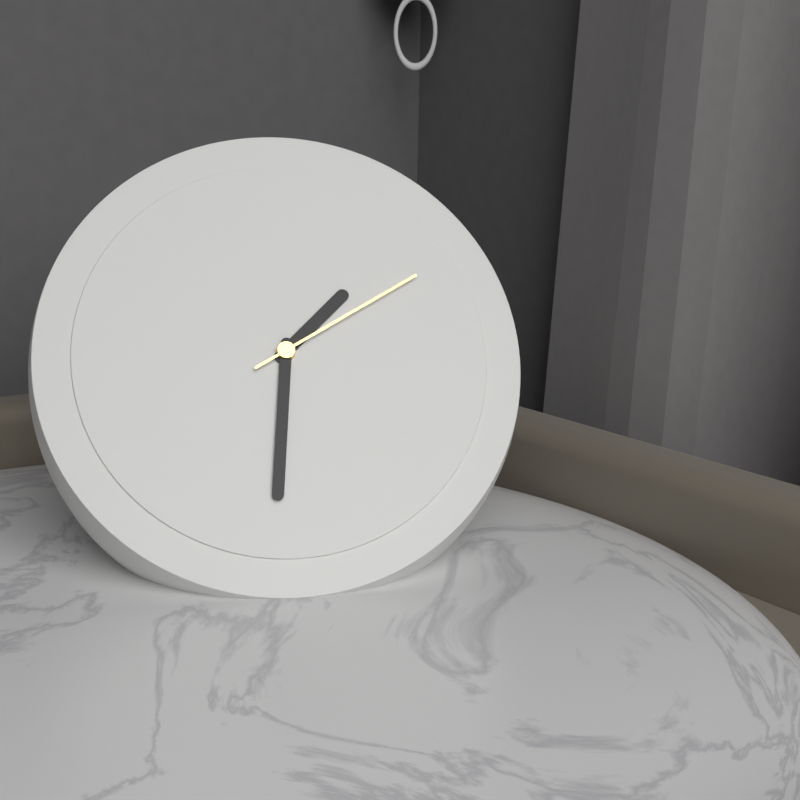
1:31:10
